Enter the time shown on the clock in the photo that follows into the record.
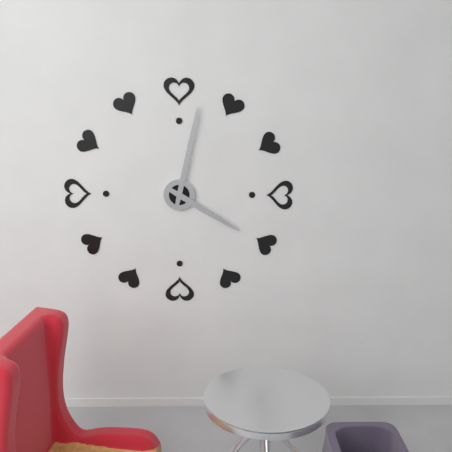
4:02
